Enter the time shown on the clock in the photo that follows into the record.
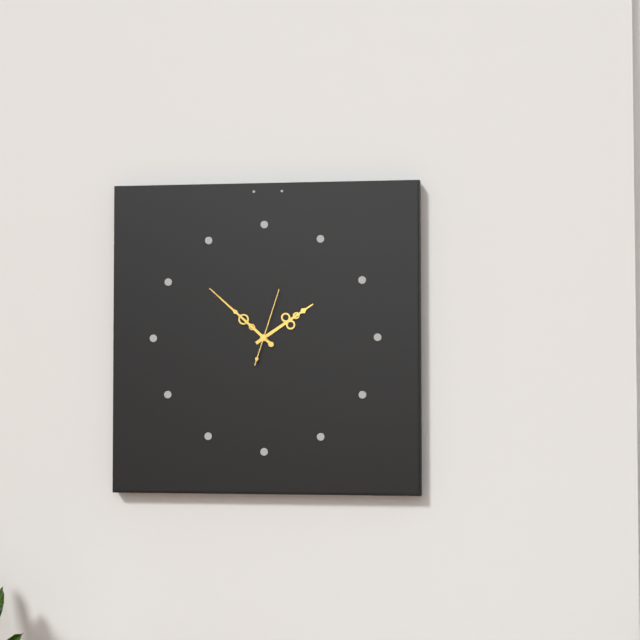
1:52:03
